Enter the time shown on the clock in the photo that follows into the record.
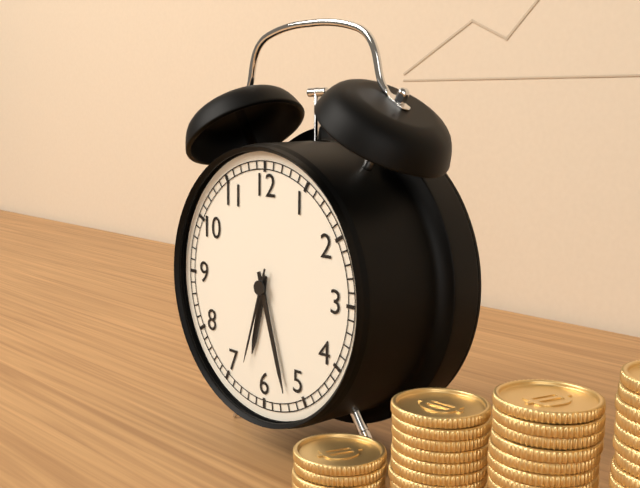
6:27:33
